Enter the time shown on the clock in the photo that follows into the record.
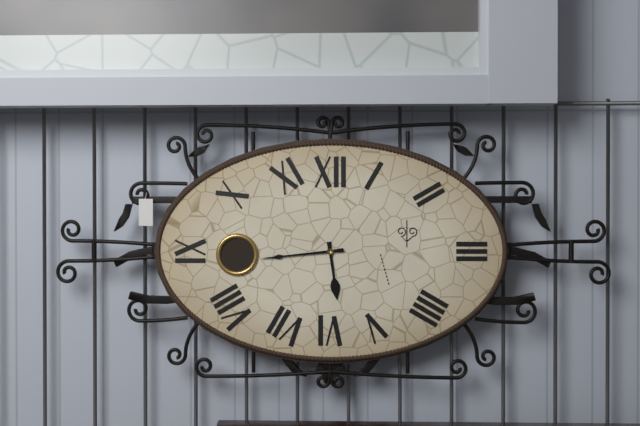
5:44
